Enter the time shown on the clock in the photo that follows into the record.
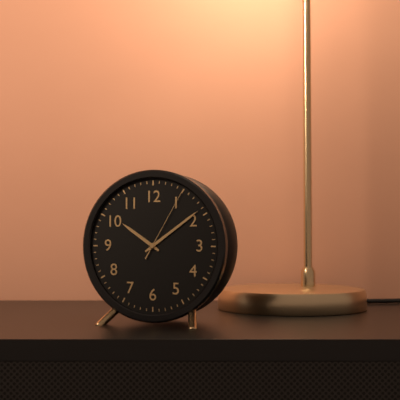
10:09:05
